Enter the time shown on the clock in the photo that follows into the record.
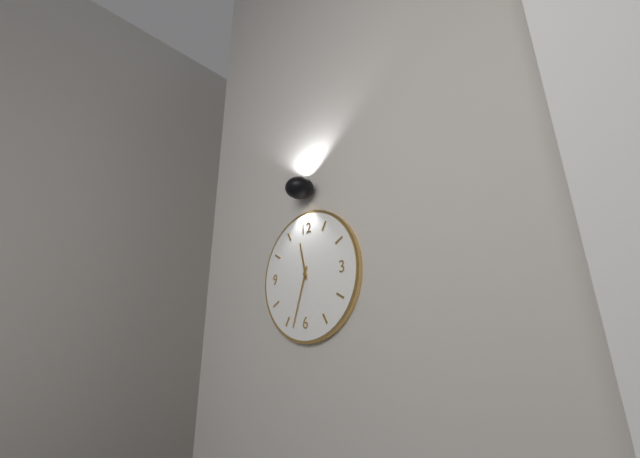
11:33
